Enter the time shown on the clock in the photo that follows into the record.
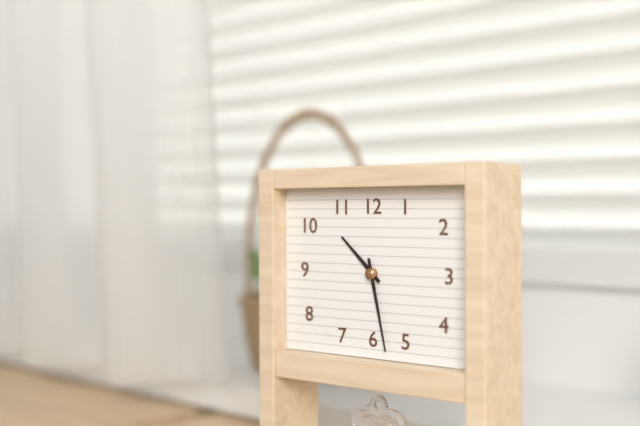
10:28
